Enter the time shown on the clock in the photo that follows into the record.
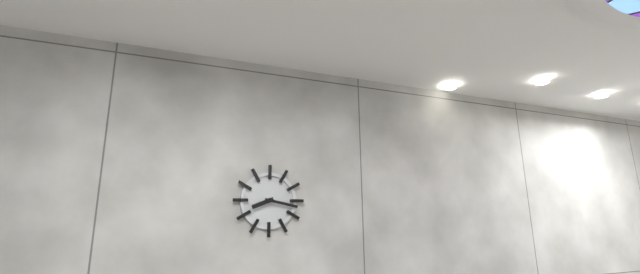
8:17
